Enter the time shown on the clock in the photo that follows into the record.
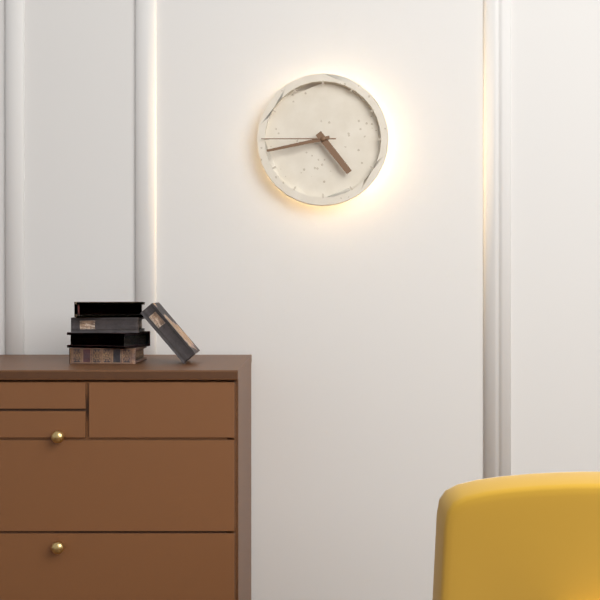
4:43:45
